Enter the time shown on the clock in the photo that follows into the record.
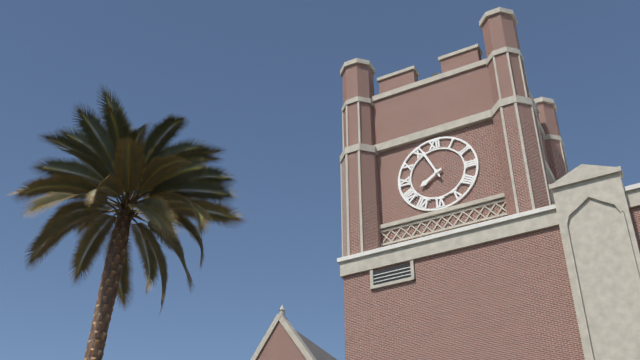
7:56
